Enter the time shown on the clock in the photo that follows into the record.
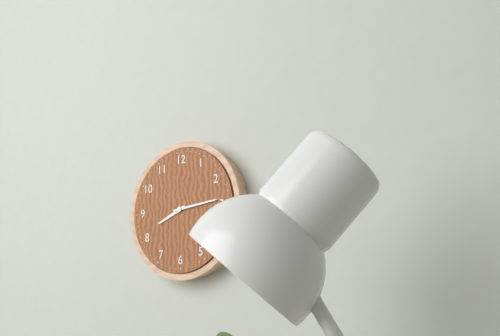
8:14
